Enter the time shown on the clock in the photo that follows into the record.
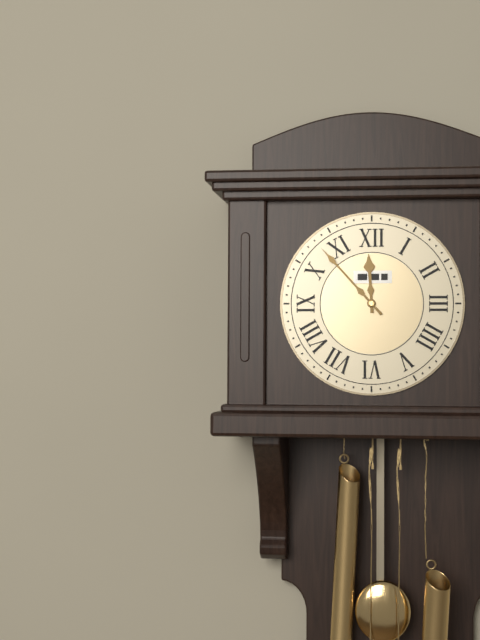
11:53
